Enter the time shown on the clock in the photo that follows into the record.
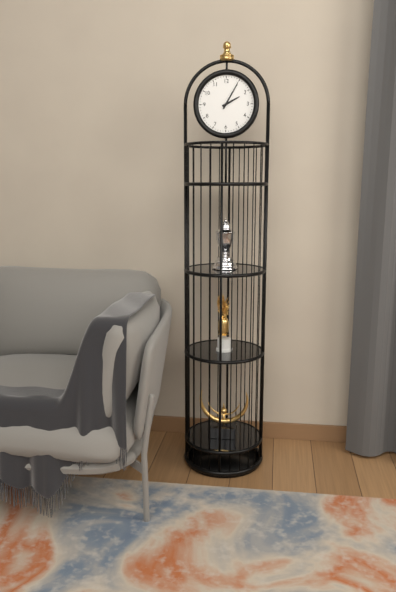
2:05
